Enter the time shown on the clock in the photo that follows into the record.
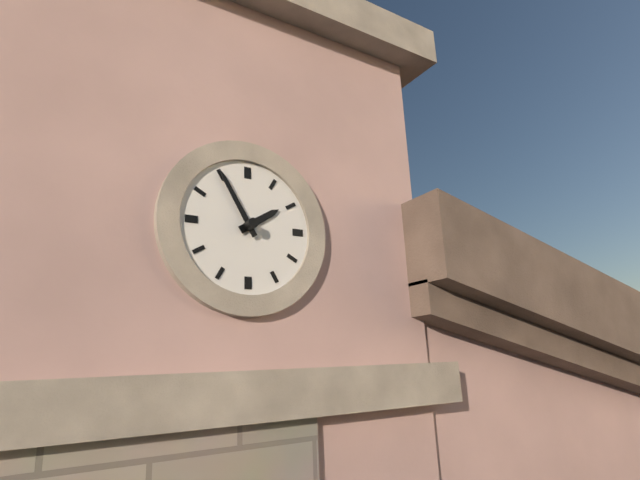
1:55
